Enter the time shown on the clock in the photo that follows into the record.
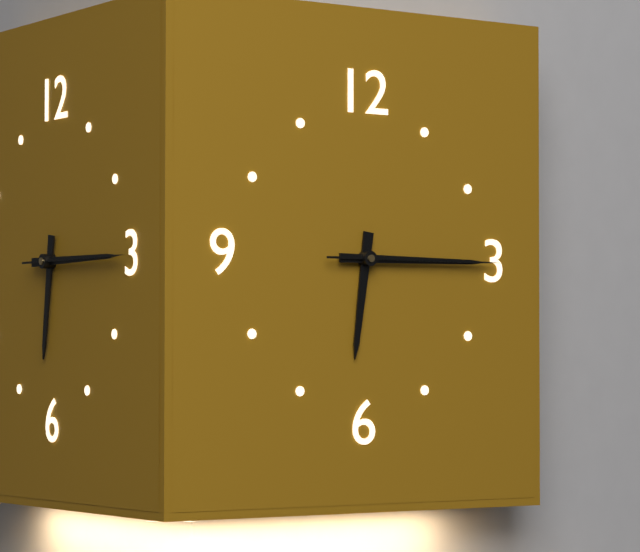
6:15:15
